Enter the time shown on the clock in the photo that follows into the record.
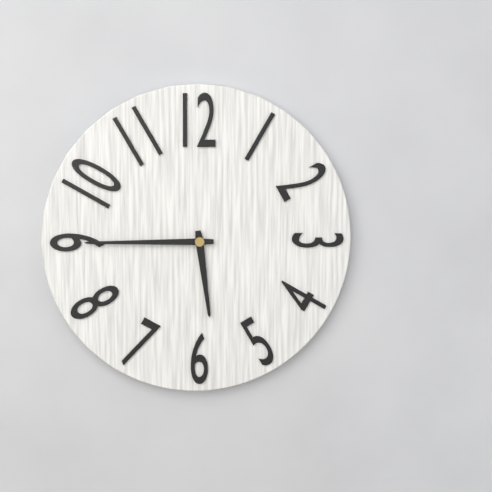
5:45
